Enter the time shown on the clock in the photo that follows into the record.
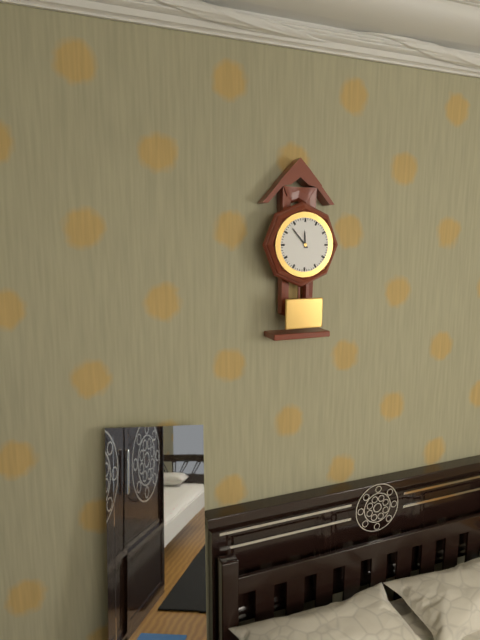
11:53
